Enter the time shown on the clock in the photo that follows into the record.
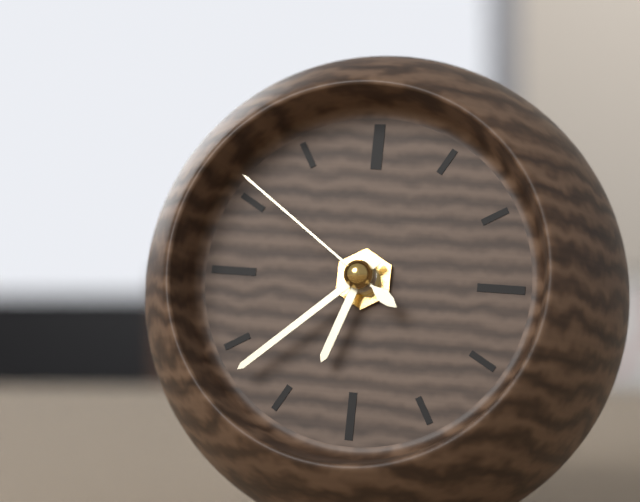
6:38:51
